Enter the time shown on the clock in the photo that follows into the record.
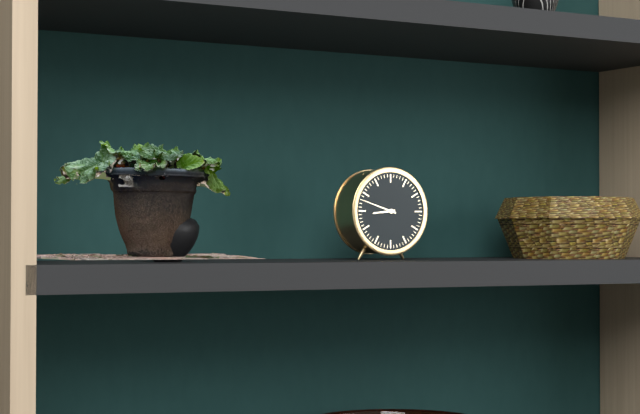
8:48
